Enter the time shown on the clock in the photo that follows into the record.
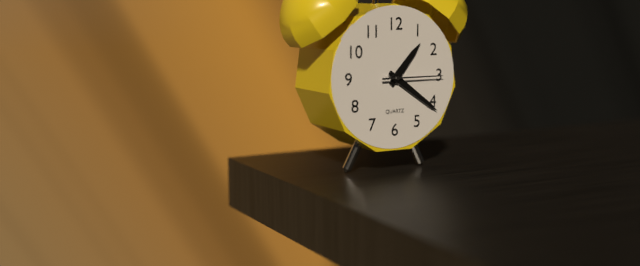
1:21:15
